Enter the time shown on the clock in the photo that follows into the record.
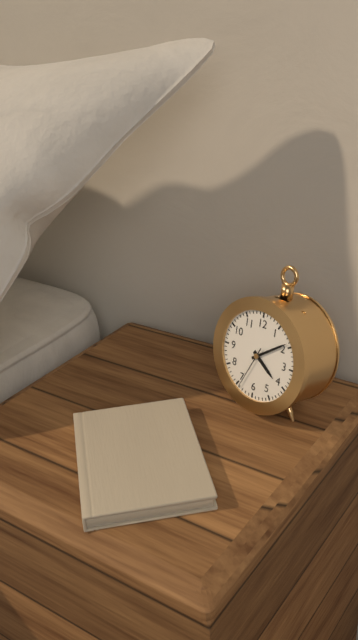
4:09
